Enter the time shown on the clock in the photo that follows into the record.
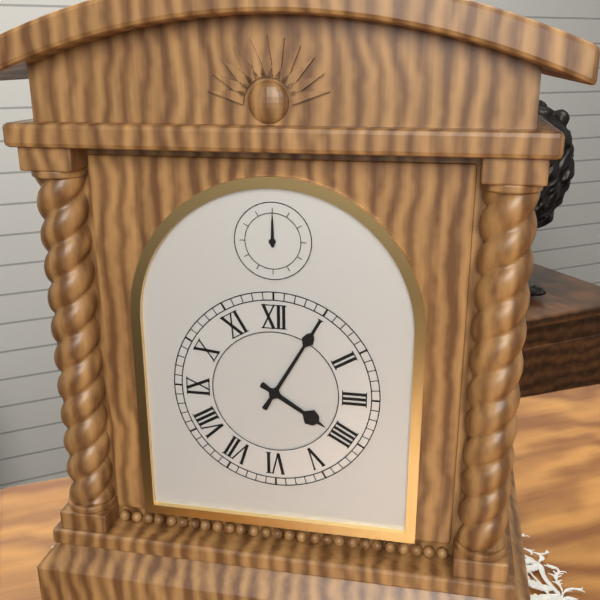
4:05
